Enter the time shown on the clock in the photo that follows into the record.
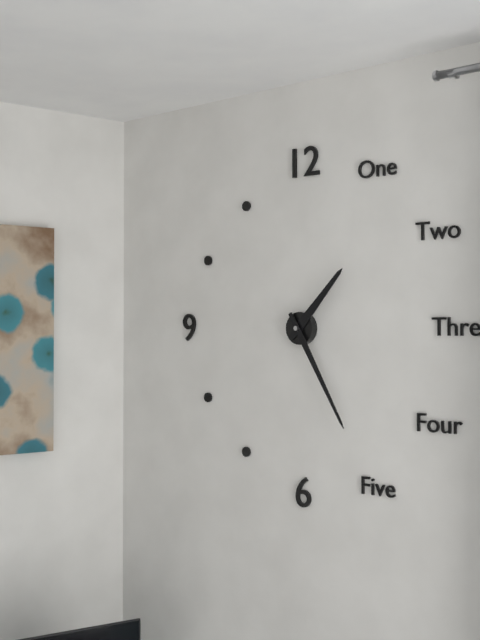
1:25
